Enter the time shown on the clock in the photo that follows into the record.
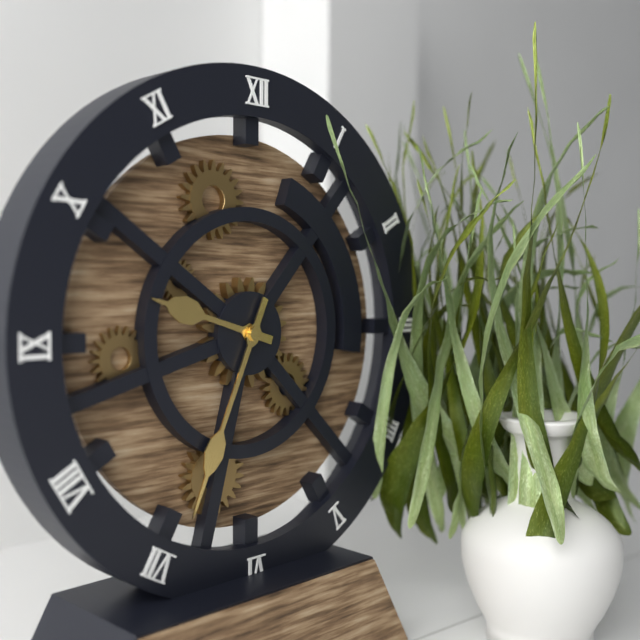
9:34
